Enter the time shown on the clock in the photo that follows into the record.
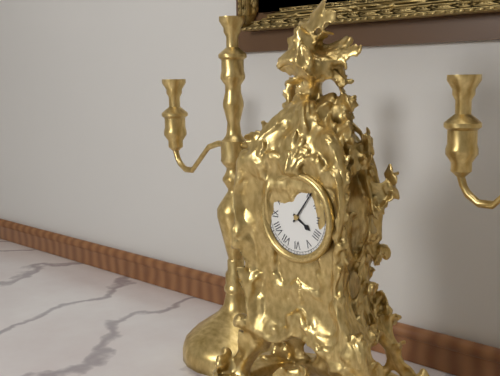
4:06
